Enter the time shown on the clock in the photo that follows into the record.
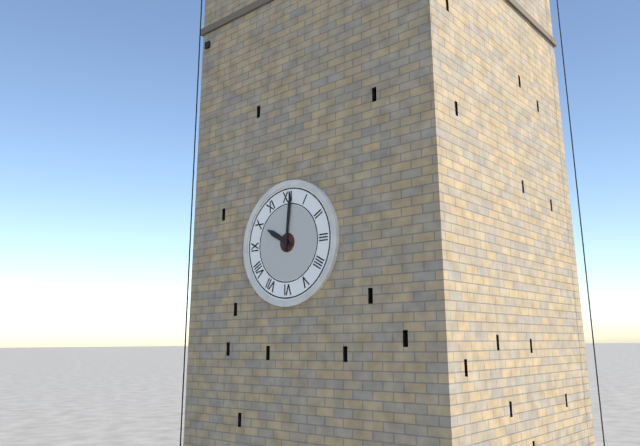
10:01
